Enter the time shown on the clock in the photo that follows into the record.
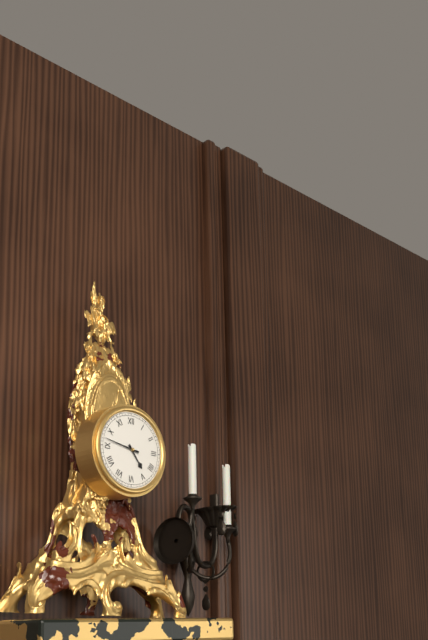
4:47
